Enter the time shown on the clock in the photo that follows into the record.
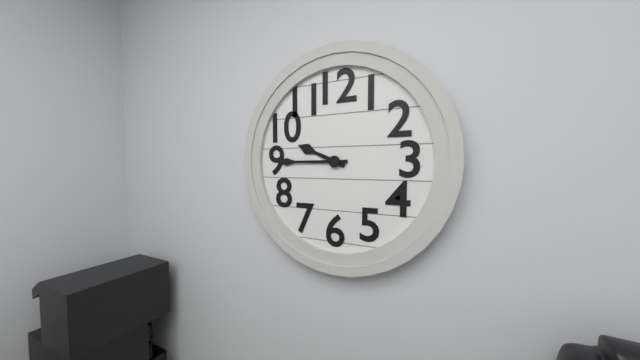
9:45
